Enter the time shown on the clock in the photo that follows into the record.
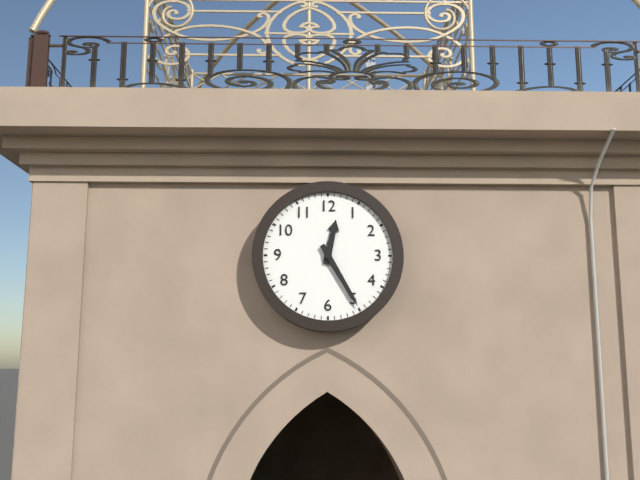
12:25
